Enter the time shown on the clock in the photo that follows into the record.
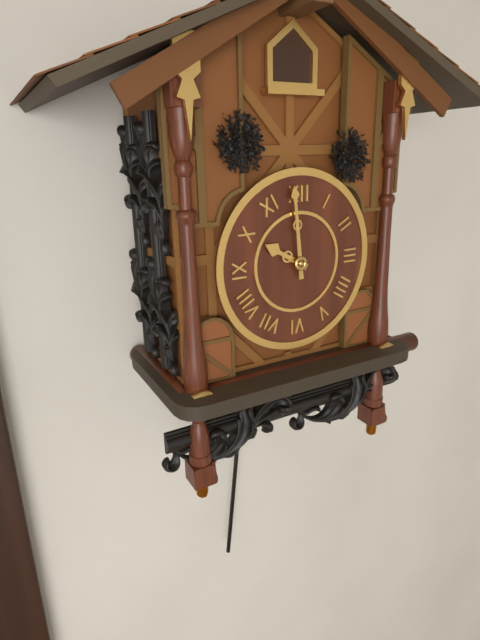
9:59
